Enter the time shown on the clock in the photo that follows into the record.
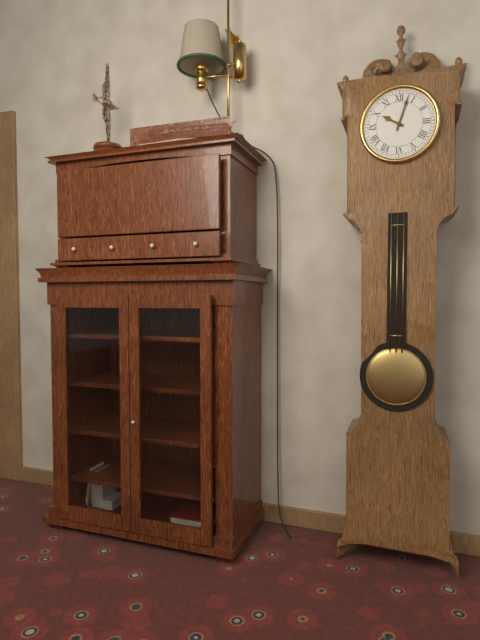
10:03
